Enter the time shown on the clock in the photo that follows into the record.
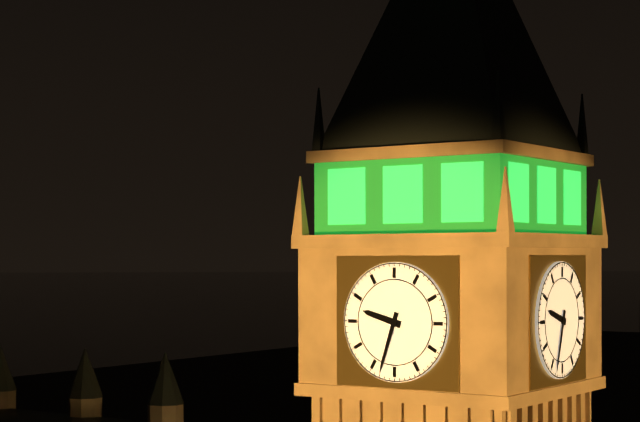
9:33
